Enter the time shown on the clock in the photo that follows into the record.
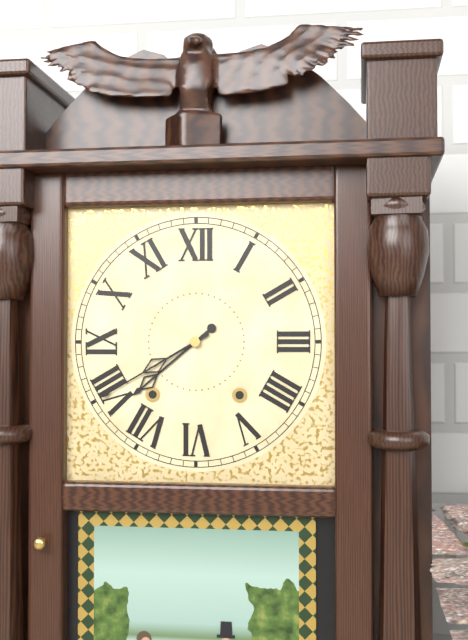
7:40
